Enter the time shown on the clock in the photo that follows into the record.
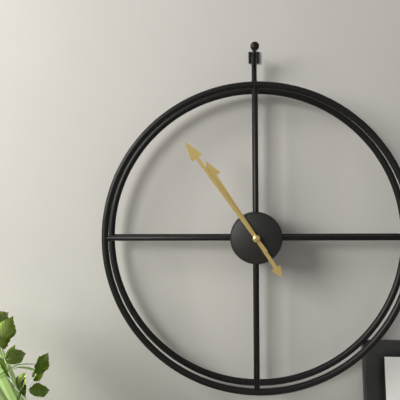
10:54
